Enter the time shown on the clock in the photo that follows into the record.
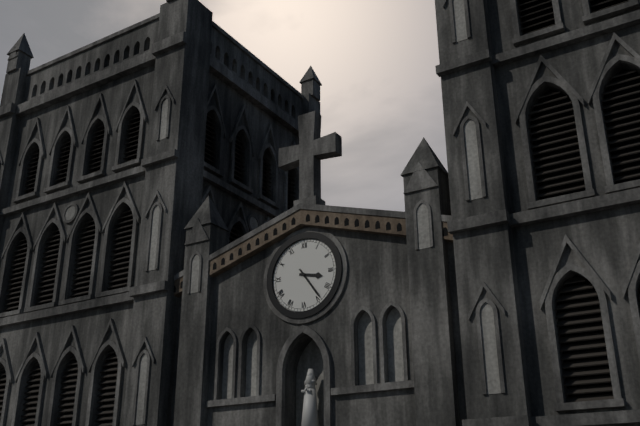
3:24
